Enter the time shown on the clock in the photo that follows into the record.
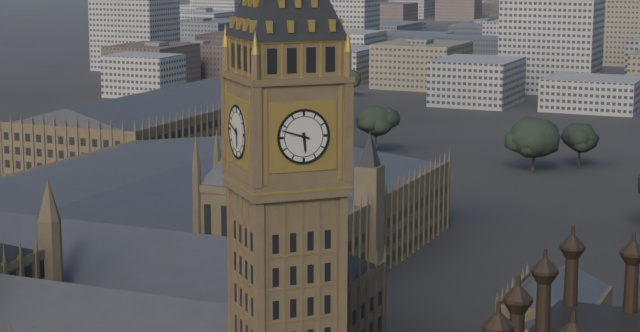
5:48
